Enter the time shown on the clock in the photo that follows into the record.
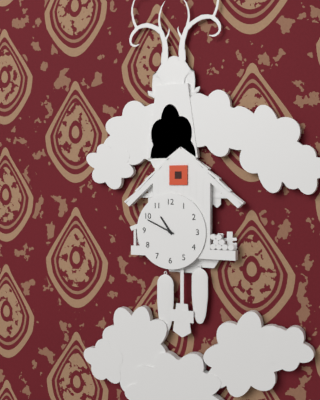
10:49
